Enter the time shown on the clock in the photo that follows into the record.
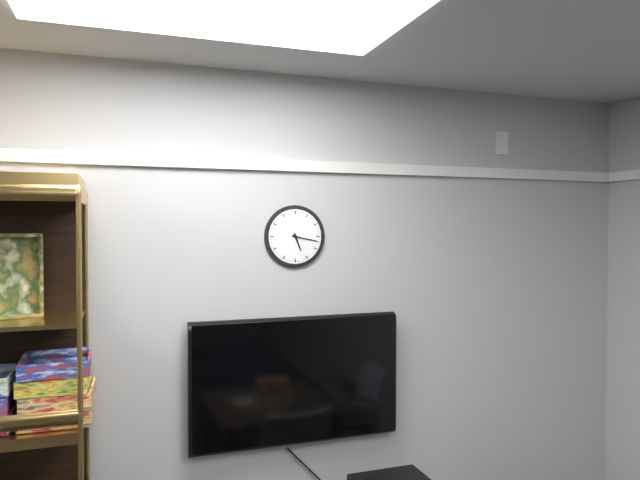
5:17
